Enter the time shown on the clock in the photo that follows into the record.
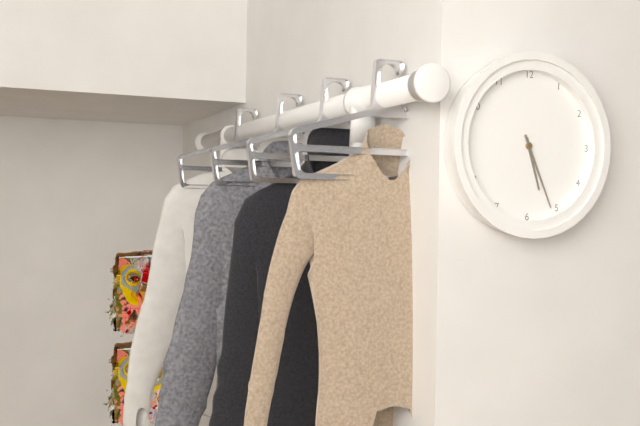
5:26
